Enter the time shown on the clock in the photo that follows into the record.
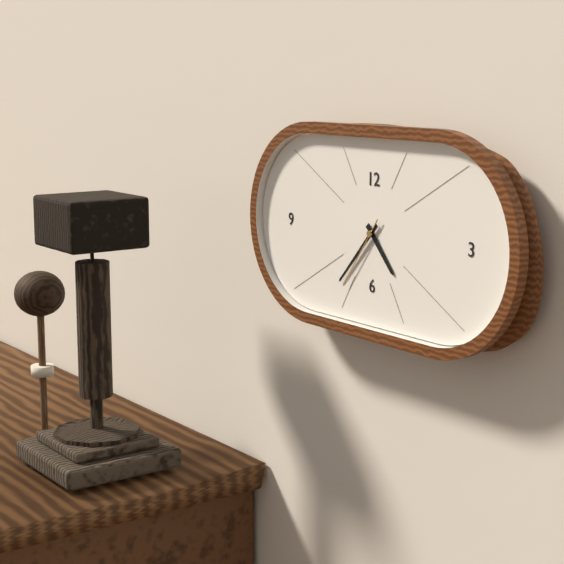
4:37:36
